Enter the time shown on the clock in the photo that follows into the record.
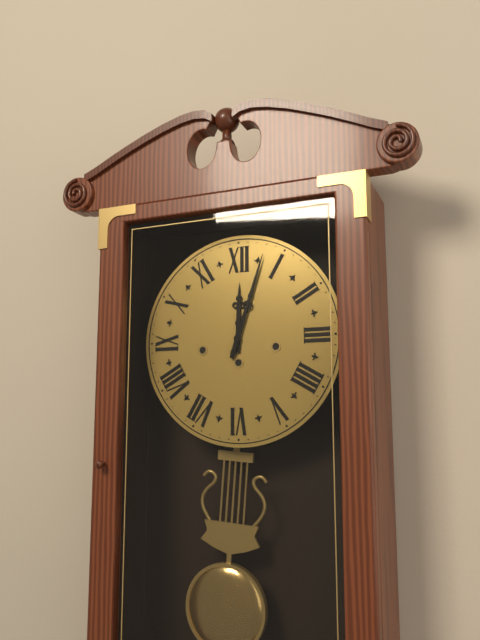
12:03
